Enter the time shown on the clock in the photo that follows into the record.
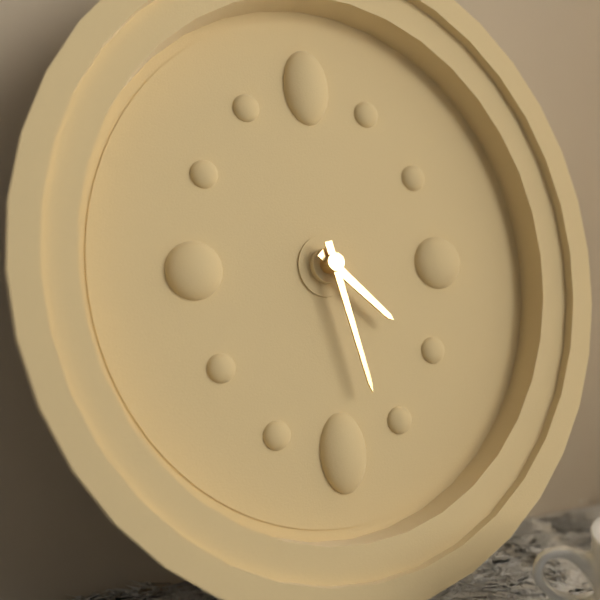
4:28
